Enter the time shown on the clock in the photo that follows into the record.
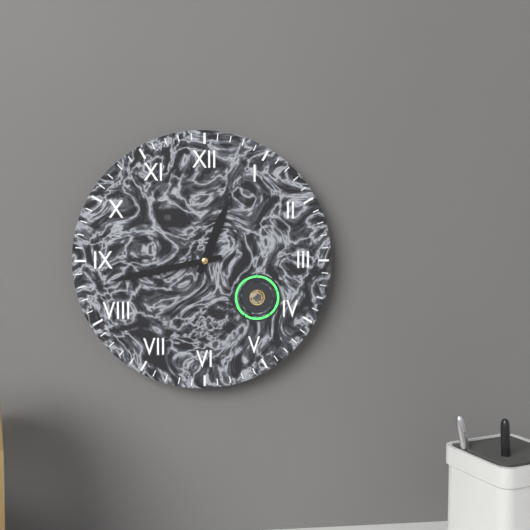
12:43
